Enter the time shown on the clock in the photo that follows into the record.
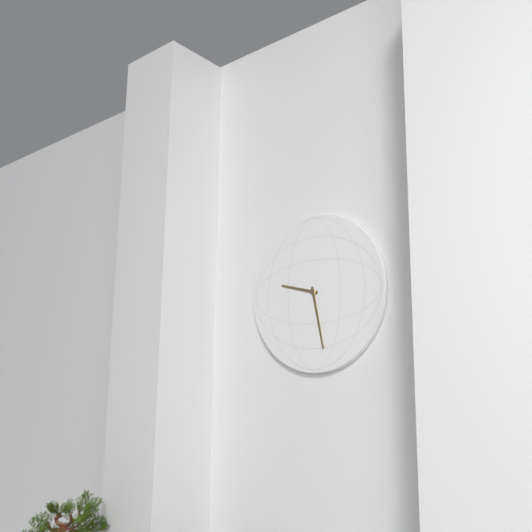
9:28
